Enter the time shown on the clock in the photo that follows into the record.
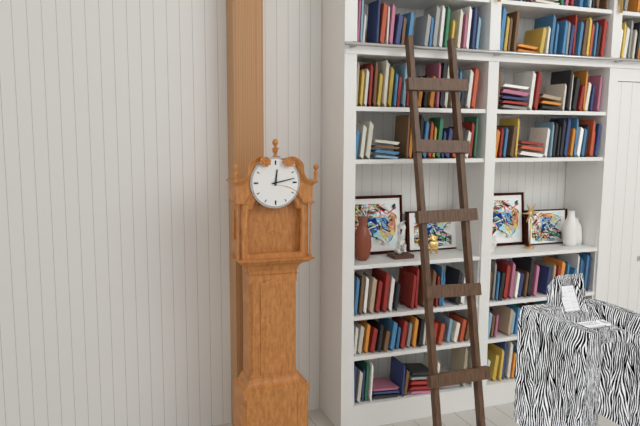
12:13
